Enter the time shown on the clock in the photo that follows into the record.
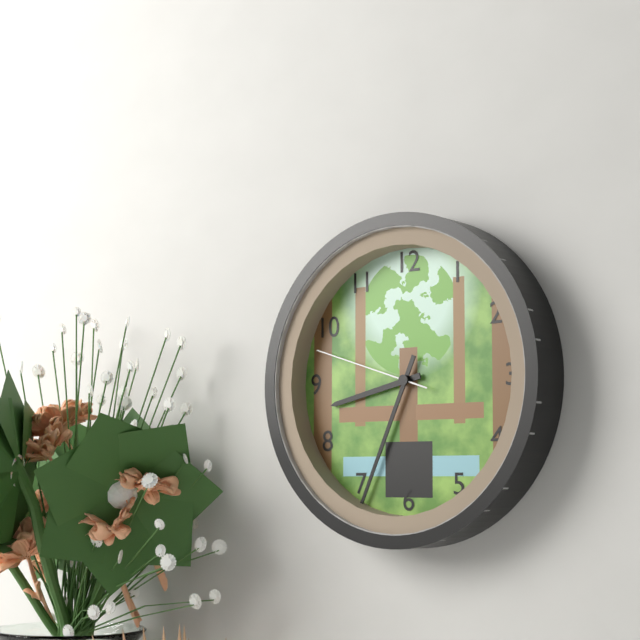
8:34:48
